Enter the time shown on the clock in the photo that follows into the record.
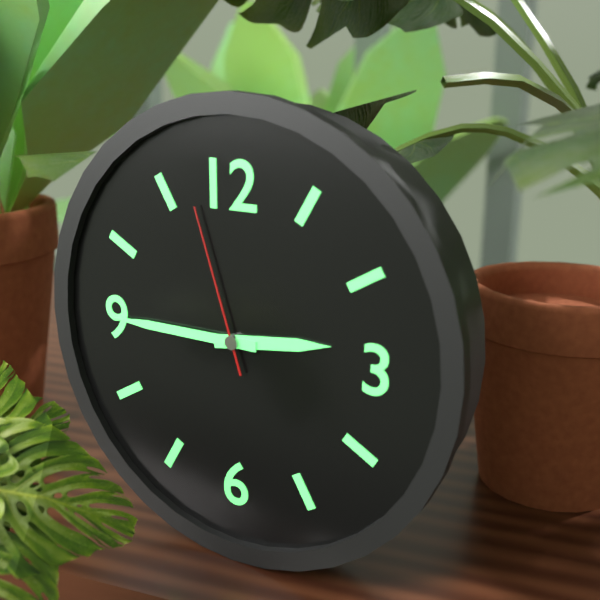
2:45:57
